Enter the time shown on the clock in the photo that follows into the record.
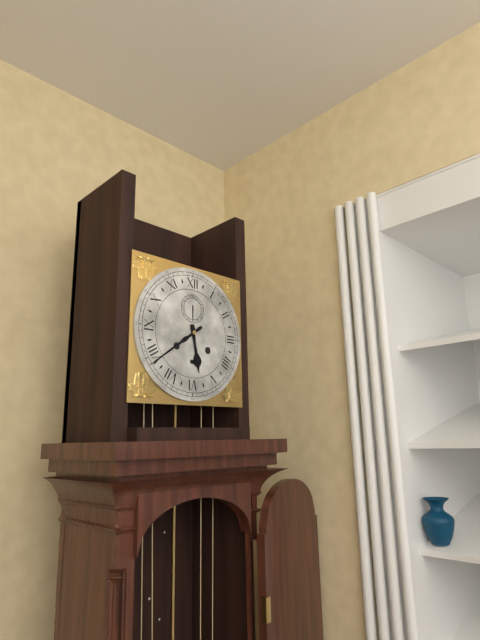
5:39
